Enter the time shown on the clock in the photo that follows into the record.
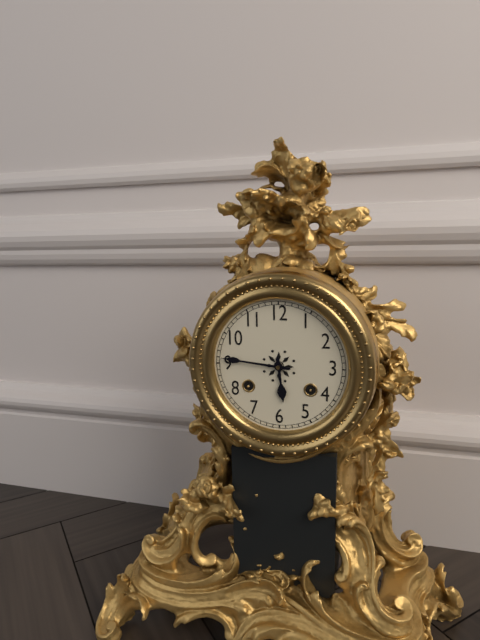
5:46
